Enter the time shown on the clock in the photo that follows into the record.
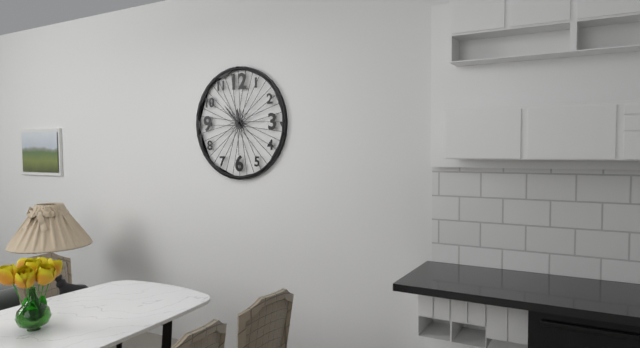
11:53
